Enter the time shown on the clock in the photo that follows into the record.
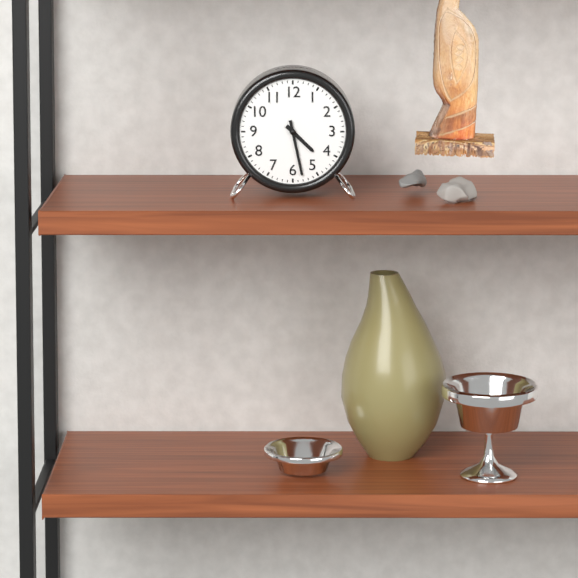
4:28
